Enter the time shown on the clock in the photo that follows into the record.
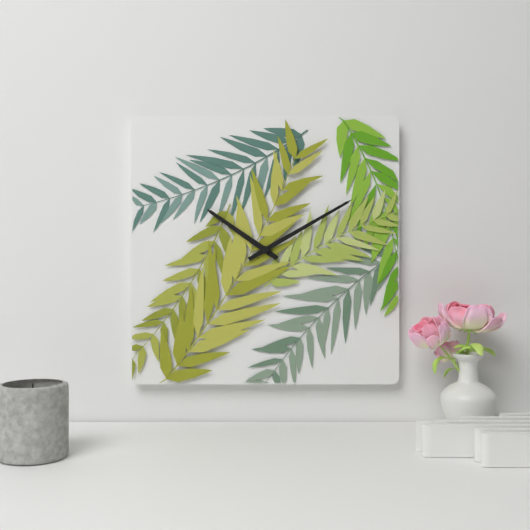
10:10
